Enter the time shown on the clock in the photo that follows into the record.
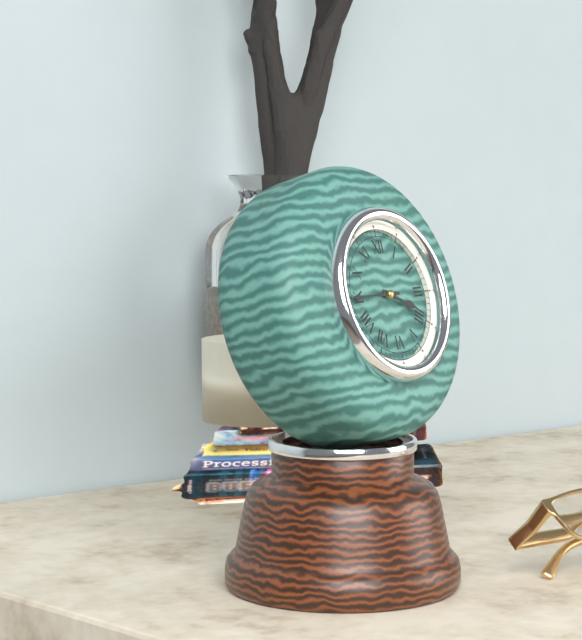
3:45
